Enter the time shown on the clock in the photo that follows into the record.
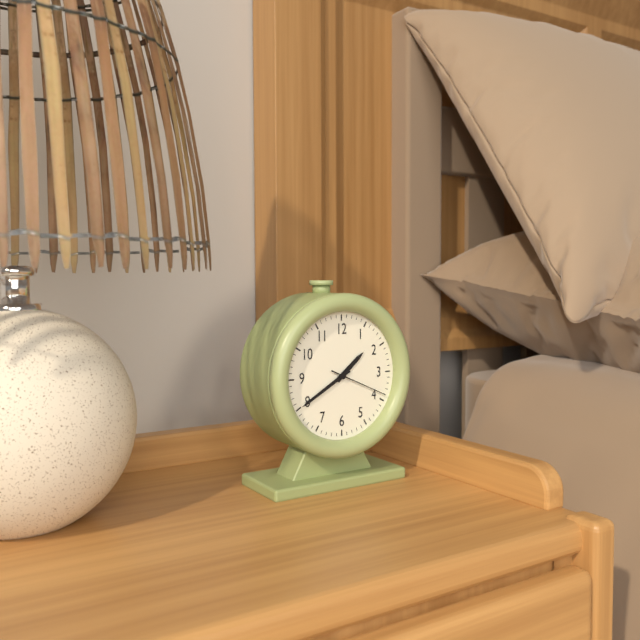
1:40:19
